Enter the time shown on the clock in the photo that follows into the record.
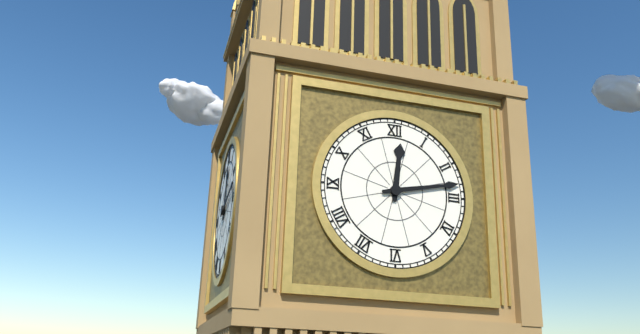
12:13
